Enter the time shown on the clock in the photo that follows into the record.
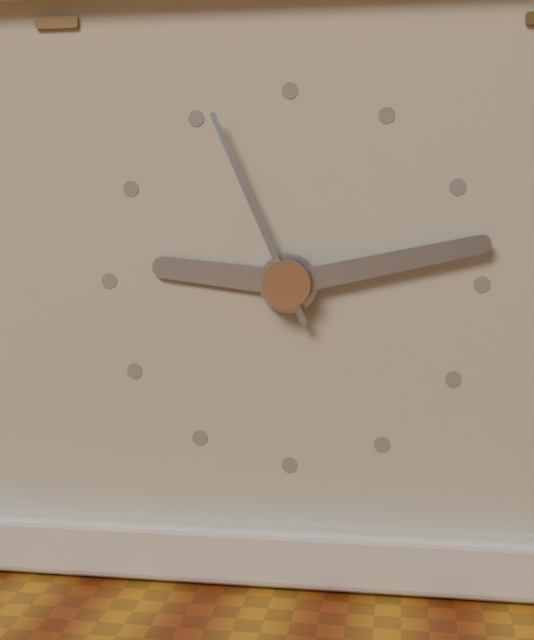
9:13:56
